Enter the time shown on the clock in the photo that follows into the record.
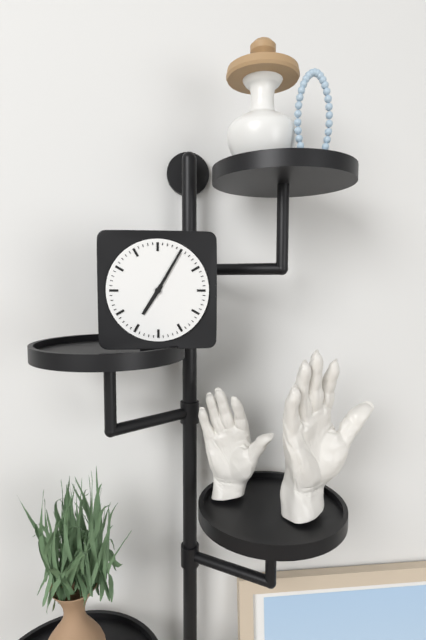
7:05
